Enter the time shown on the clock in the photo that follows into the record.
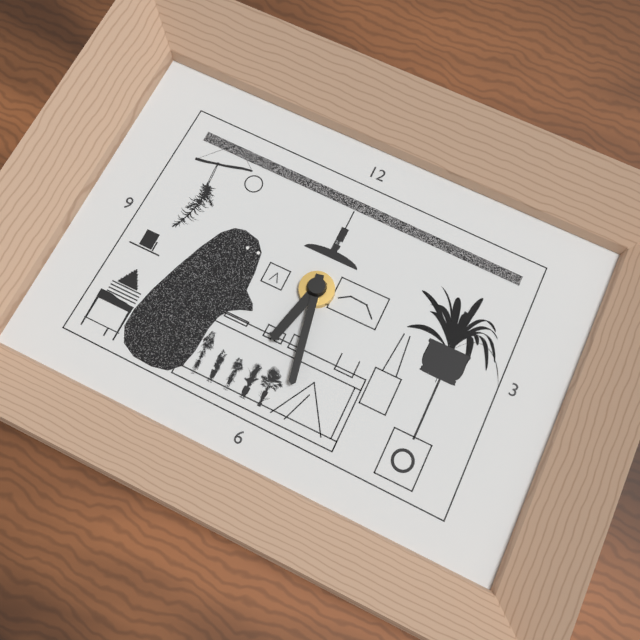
6:28
